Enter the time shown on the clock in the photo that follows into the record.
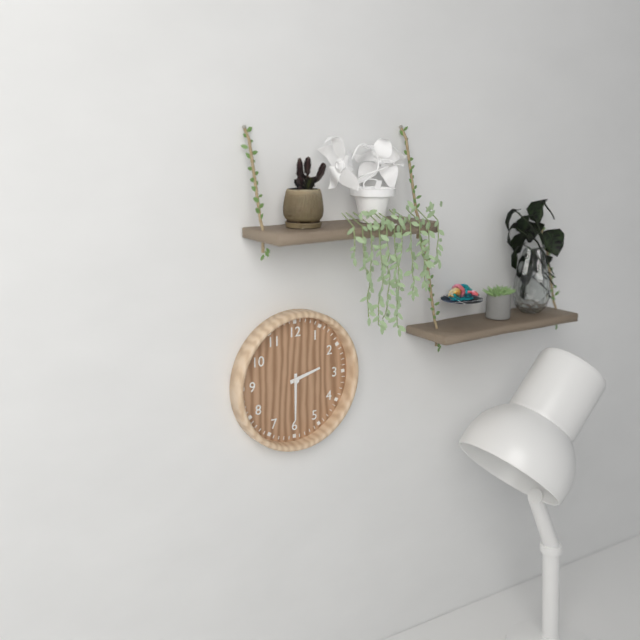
2:30
